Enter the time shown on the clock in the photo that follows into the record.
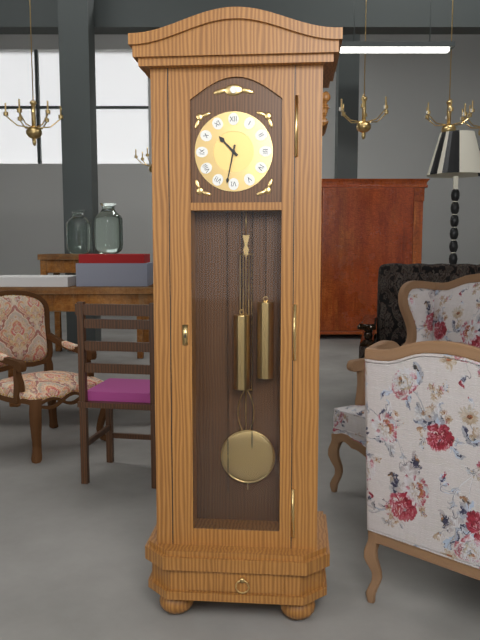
10:32
